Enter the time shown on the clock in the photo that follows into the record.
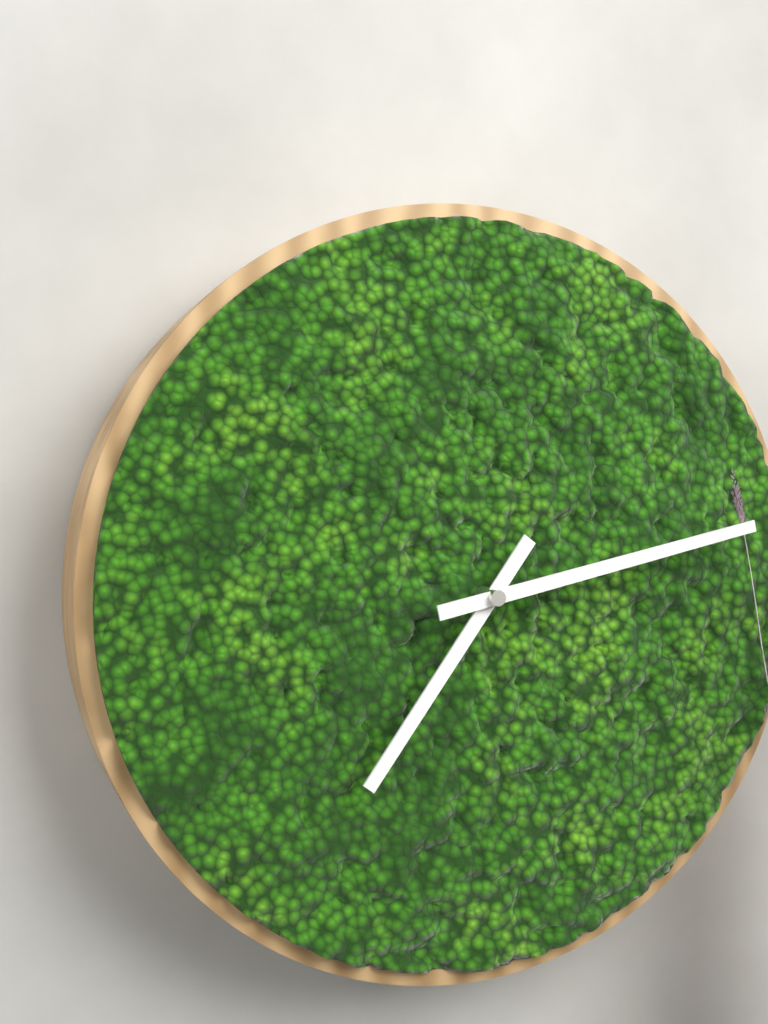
7:13
